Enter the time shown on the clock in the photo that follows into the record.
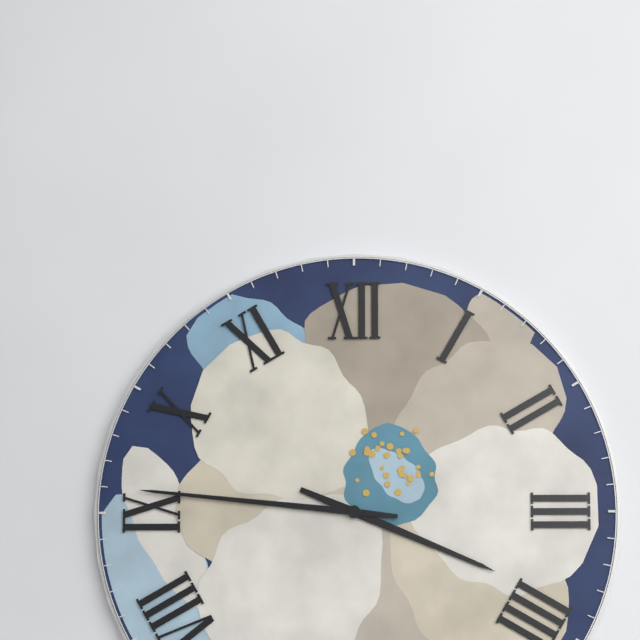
3:46
